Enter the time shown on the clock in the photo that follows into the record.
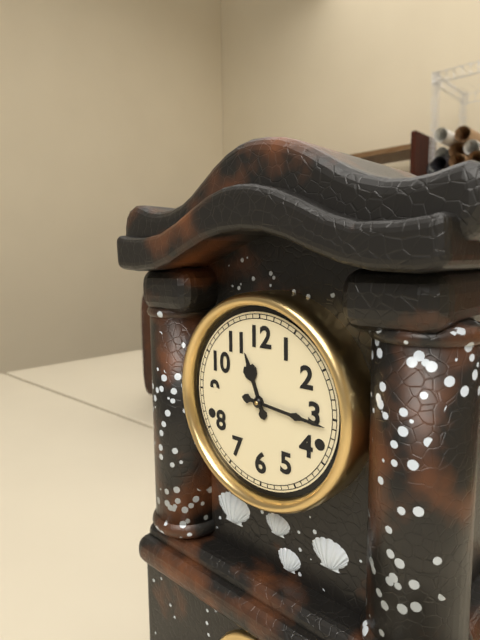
11:16
